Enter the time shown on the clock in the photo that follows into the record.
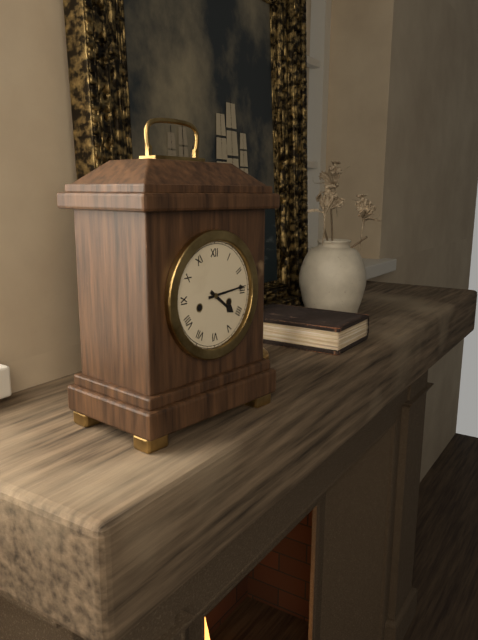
4:14
